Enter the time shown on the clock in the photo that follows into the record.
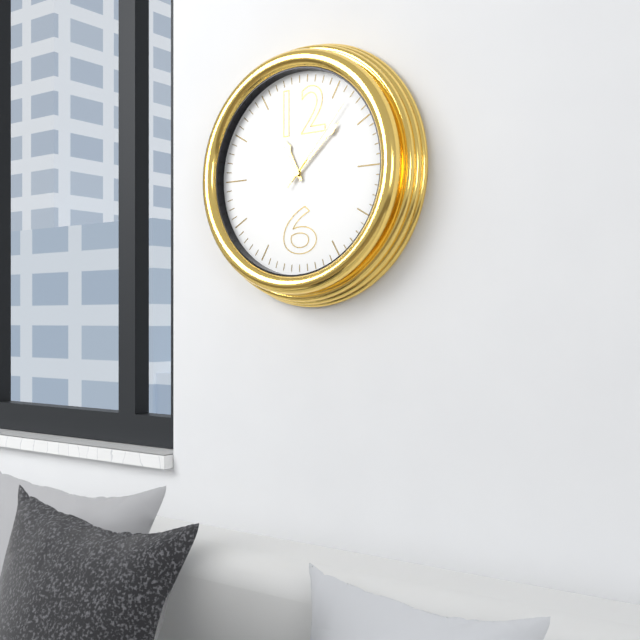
11:08:07
